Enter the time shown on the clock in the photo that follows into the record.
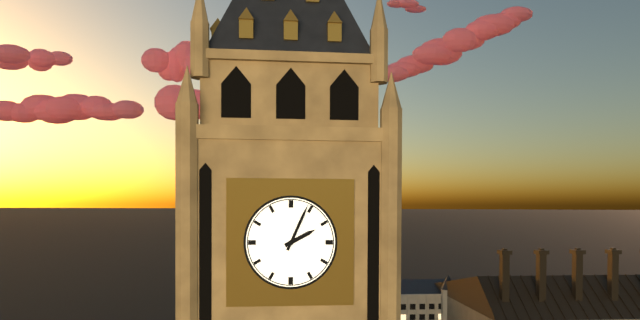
2:04
